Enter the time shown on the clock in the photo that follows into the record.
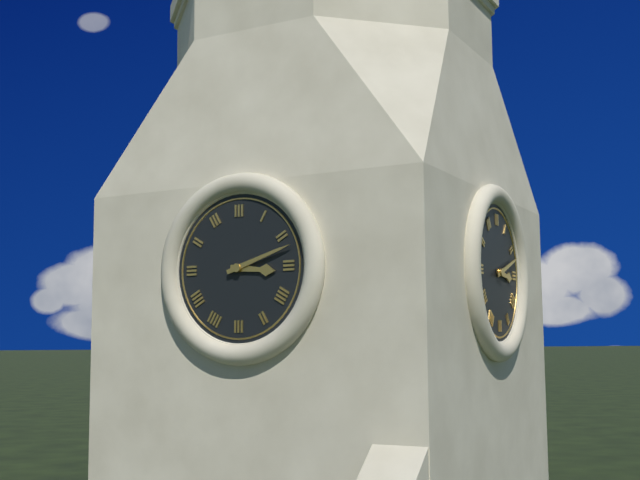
3:12
